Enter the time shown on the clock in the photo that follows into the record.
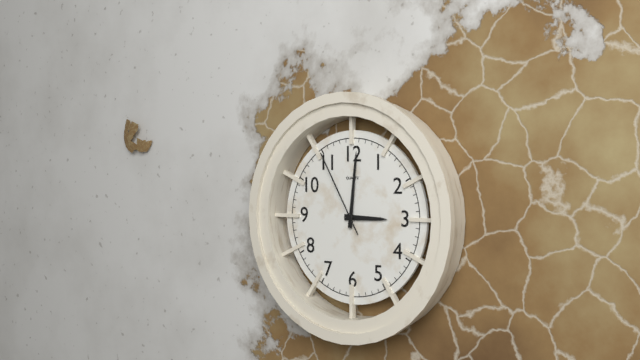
3:01:55
